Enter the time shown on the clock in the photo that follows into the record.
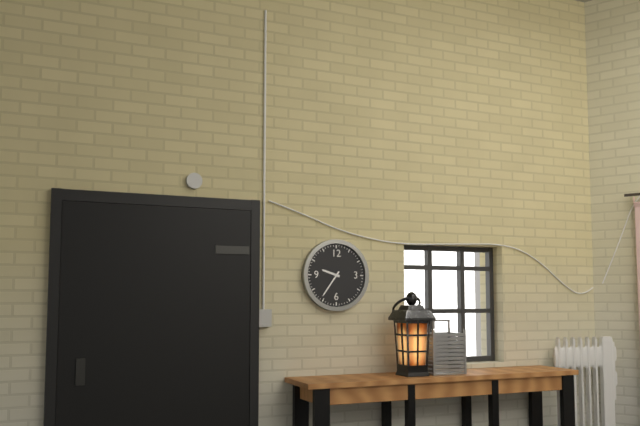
9:36
